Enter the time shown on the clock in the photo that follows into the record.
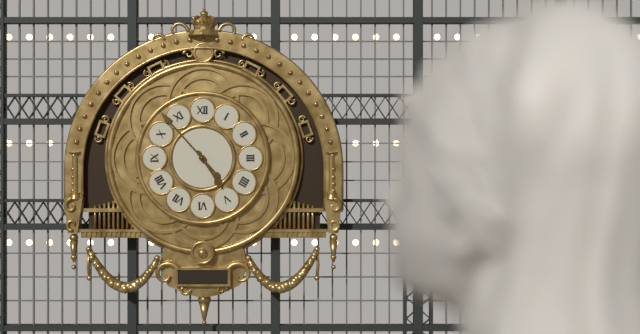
4:53
